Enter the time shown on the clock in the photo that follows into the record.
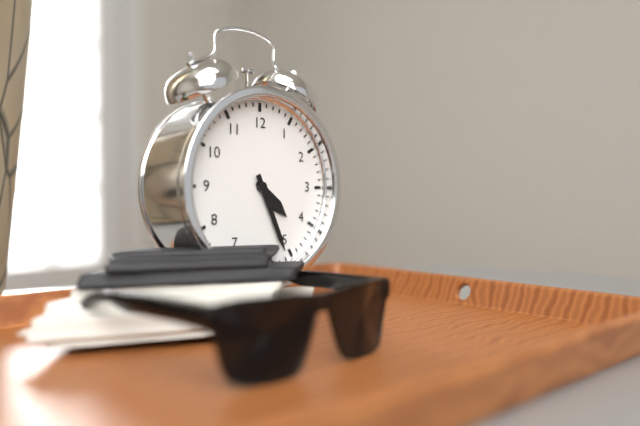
4:26
